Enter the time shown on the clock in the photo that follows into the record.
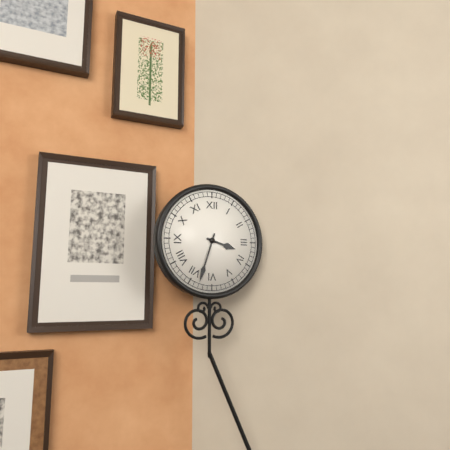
3:33
